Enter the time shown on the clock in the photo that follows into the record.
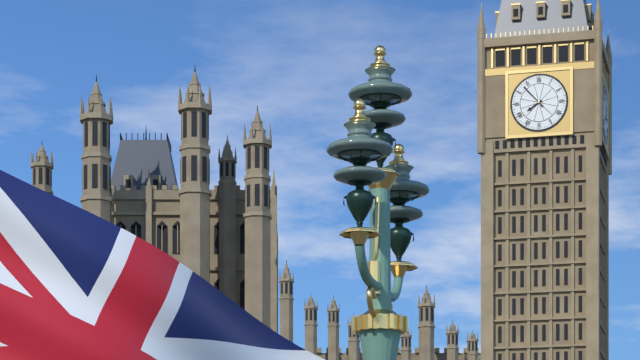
7:53
